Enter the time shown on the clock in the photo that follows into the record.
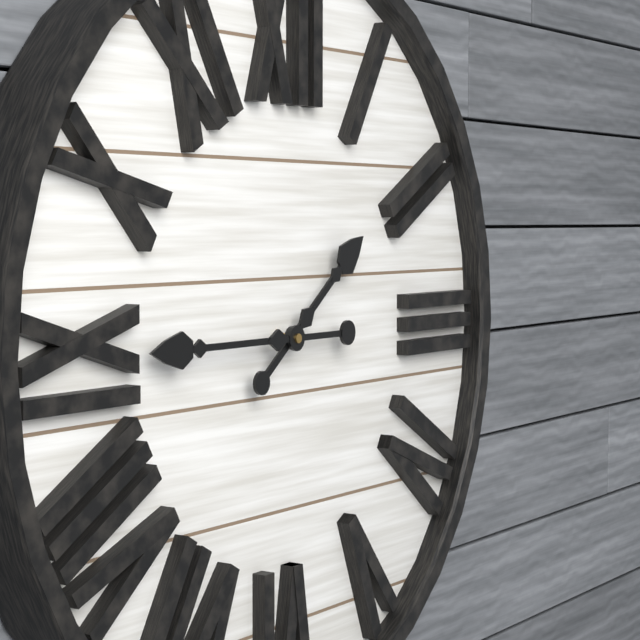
1:45
